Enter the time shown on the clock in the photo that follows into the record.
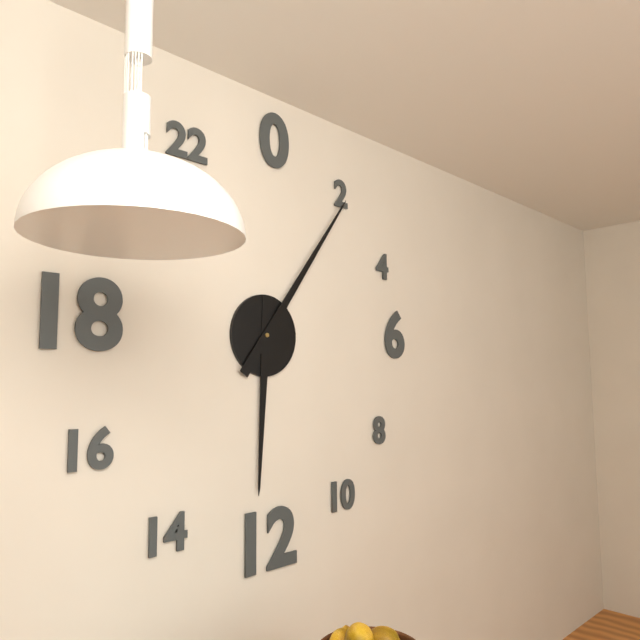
6:06
